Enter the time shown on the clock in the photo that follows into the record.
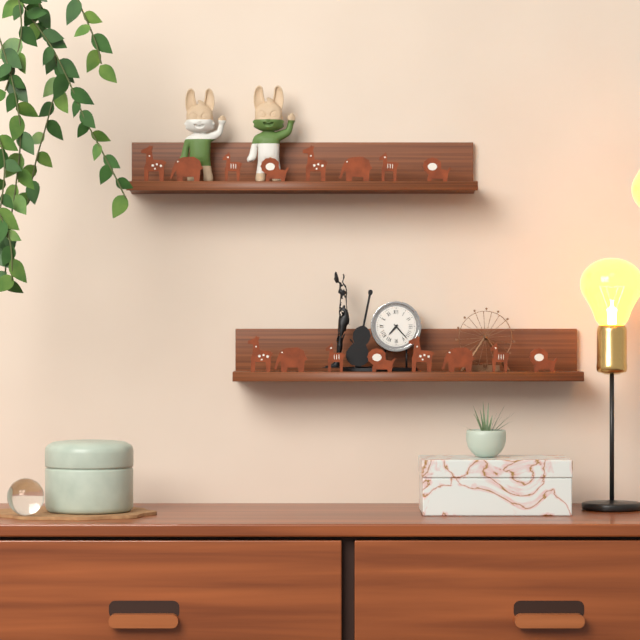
7:23
